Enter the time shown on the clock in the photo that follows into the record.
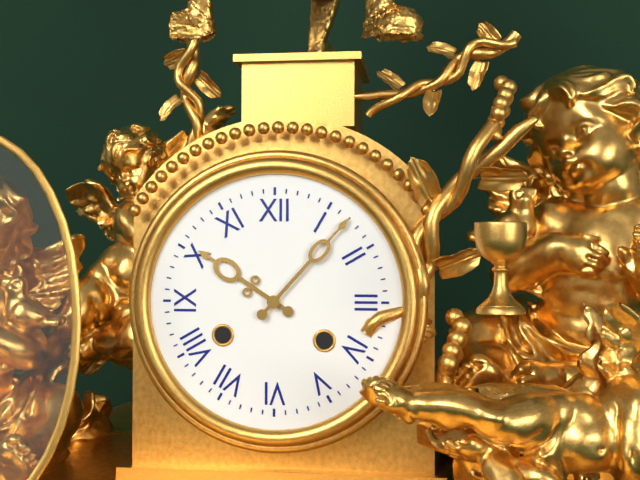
10:07
